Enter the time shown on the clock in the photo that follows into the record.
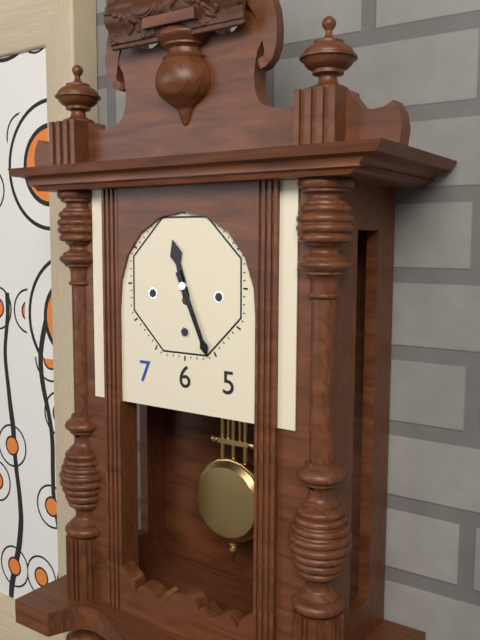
11:26
